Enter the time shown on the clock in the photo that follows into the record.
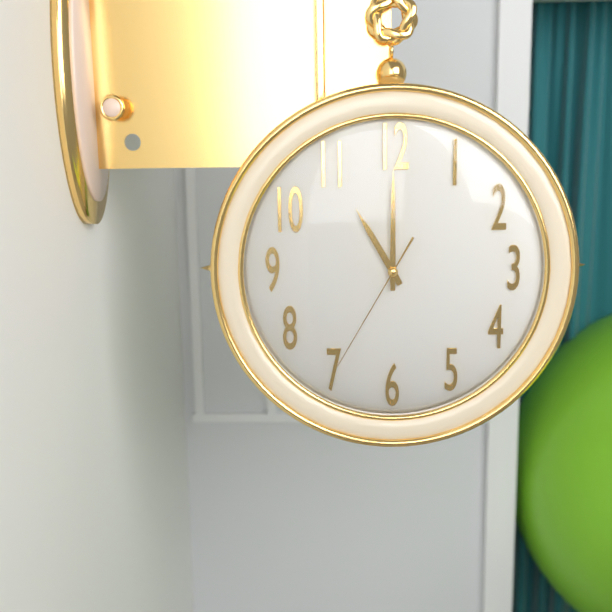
11:00:35
